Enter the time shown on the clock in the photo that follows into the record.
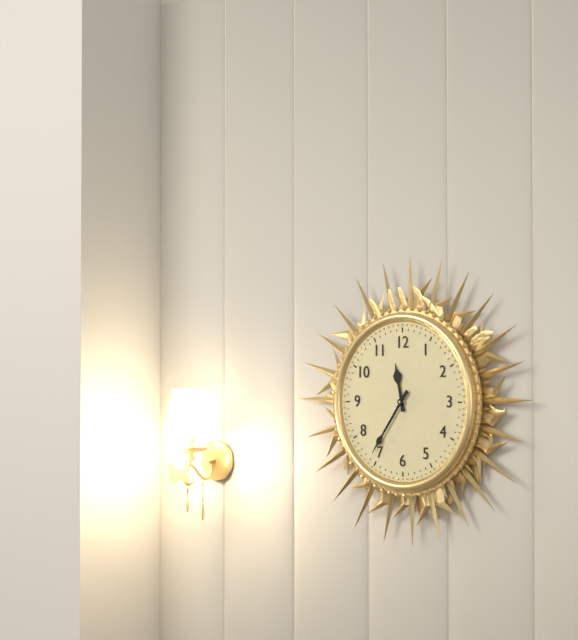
11:36
